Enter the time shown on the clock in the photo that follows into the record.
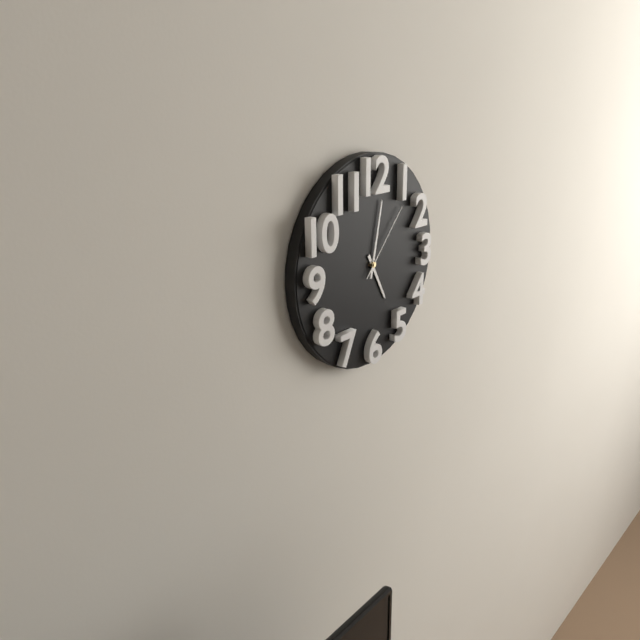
5:02:07
